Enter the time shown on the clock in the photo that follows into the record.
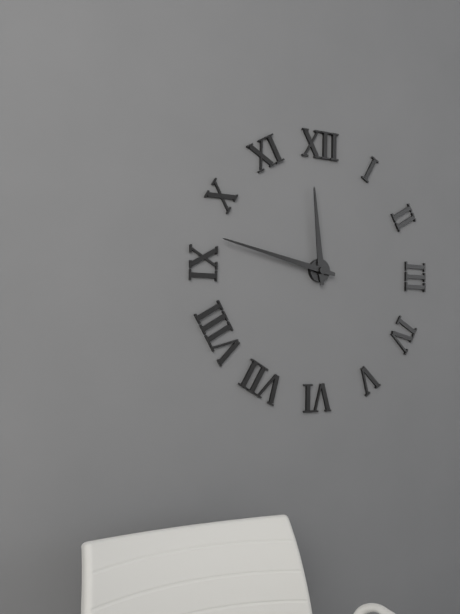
11:47
